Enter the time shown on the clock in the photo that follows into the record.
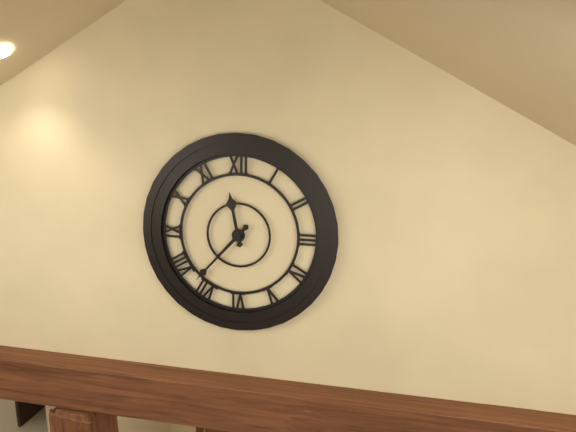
11:37
